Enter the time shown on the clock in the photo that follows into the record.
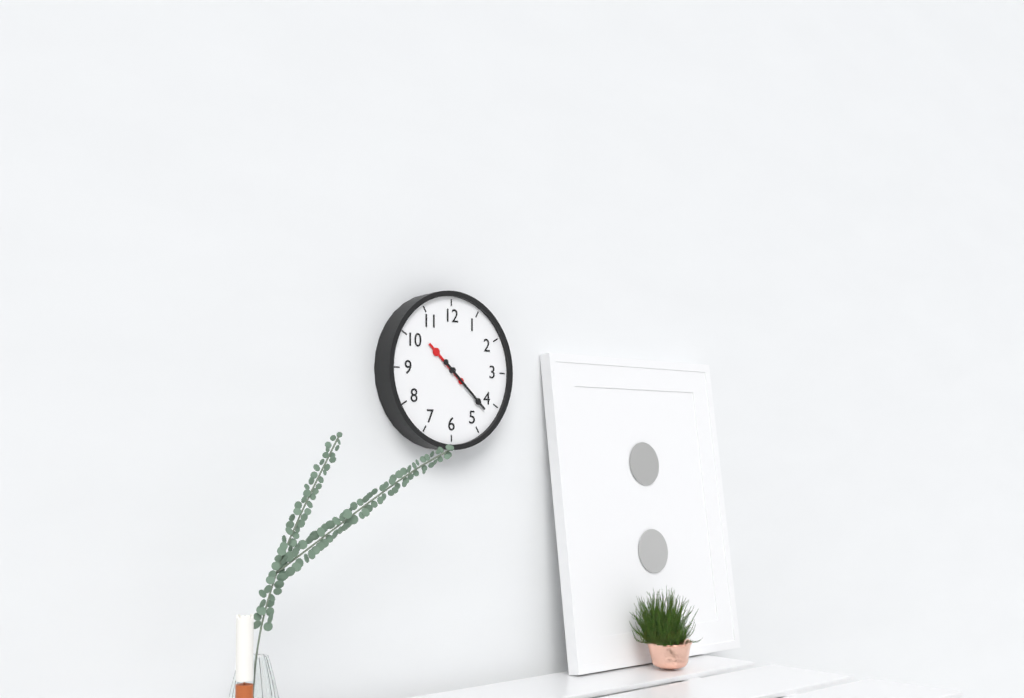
10:22
